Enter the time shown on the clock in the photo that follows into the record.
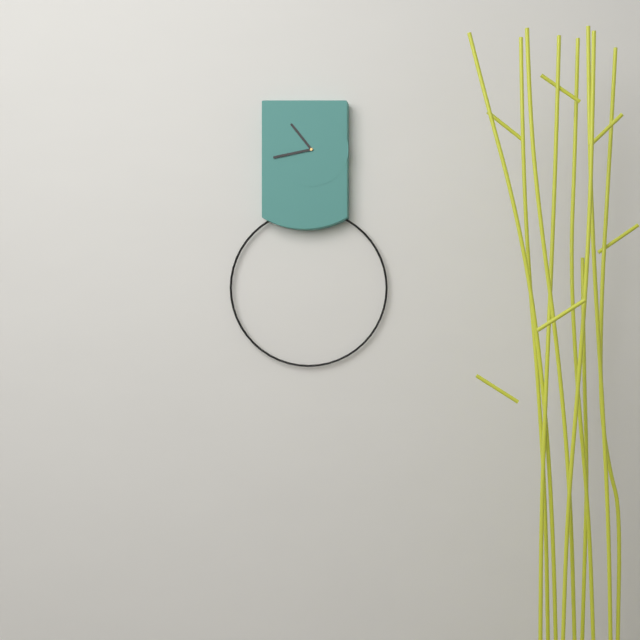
10:43
